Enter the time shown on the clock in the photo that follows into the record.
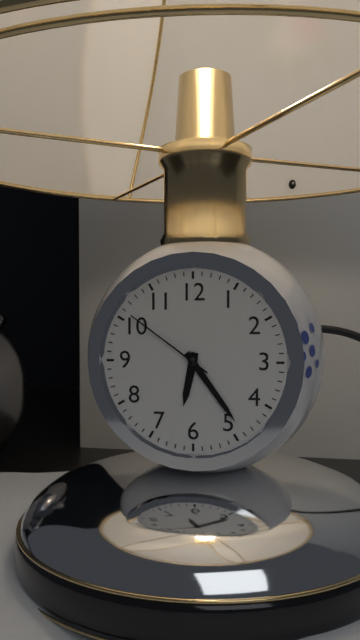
6:24:51
